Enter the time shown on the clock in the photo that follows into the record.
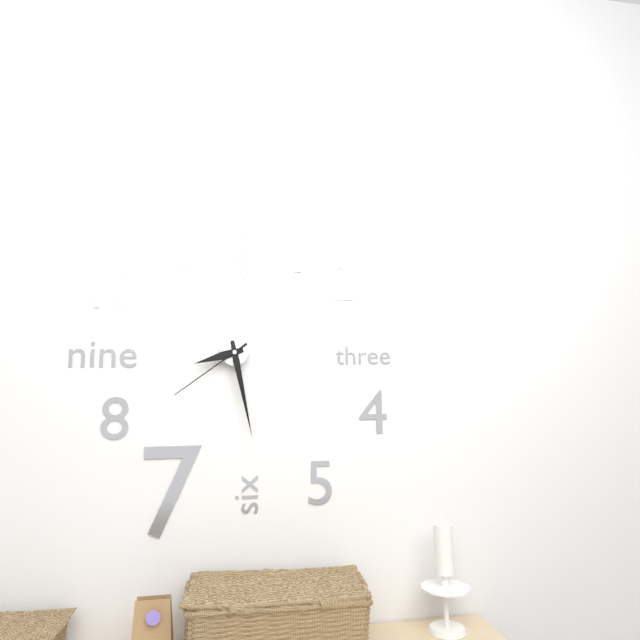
8:28:39
